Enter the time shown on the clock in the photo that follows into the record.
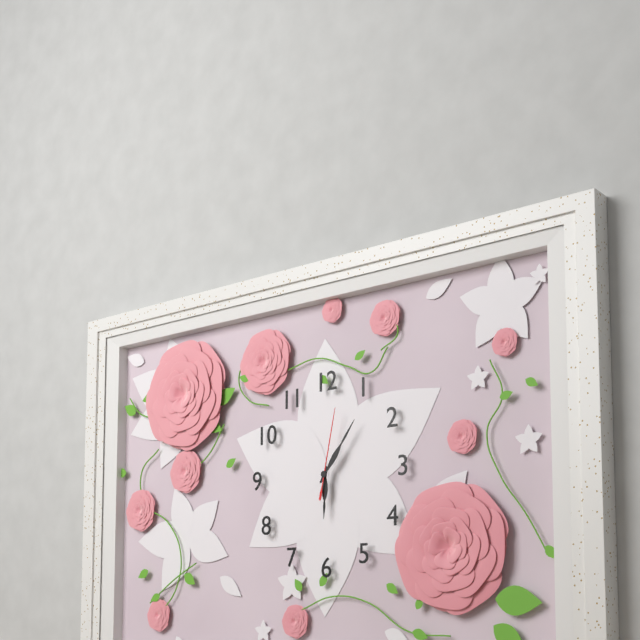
6:06:02
